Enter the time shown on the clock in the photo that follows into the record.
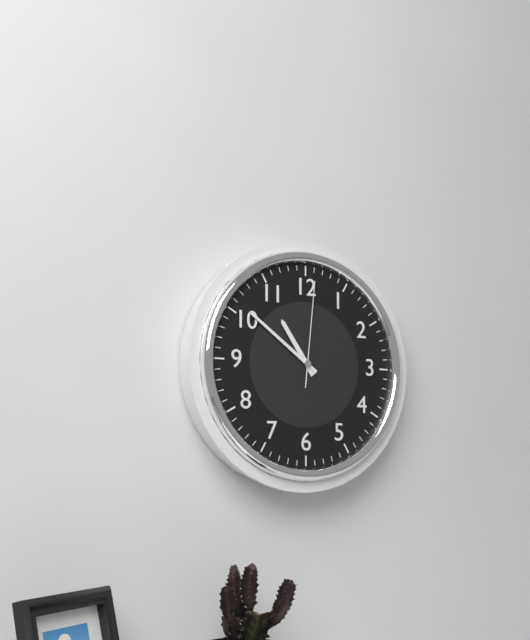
10:51:01
